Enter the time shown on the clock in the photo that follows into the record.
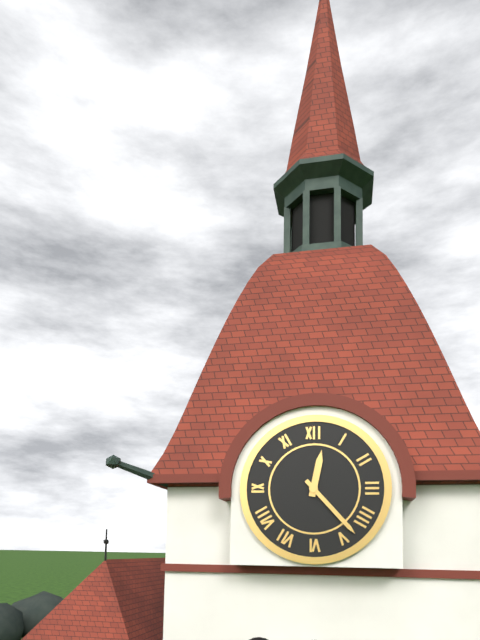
12:23
